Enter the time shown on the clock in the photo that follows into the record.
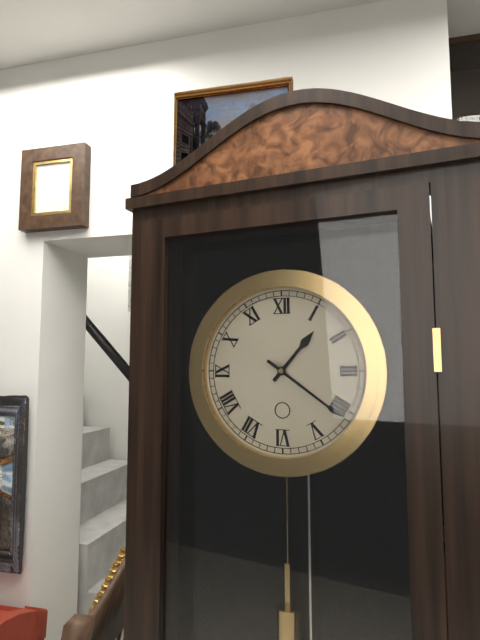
1:21
